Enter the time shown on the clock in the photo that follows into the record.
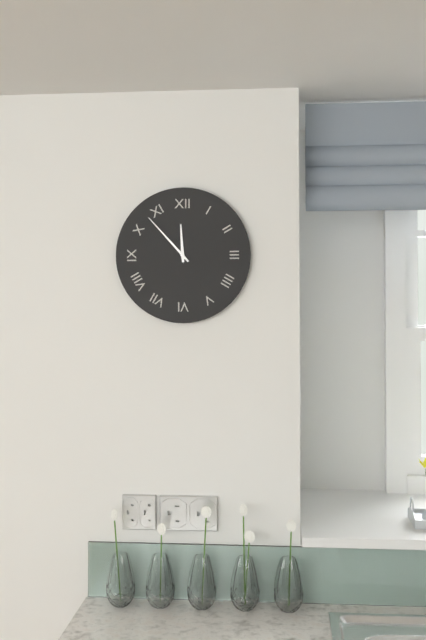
11:53
